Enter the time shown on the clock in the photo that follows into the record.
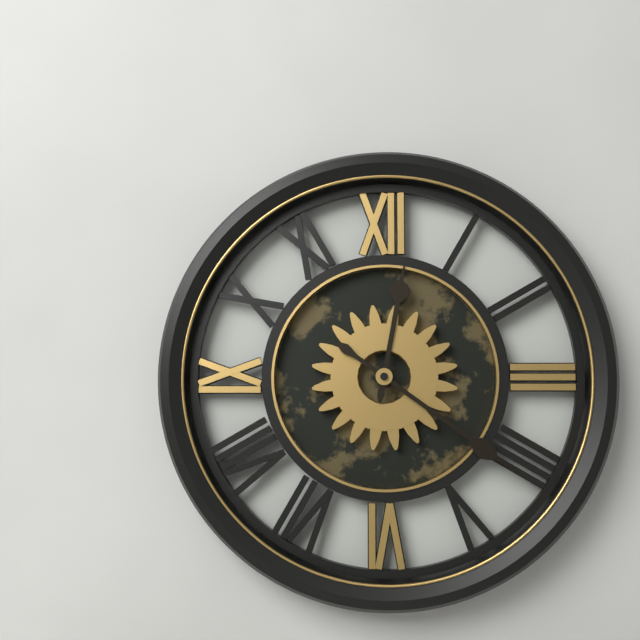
12:21
